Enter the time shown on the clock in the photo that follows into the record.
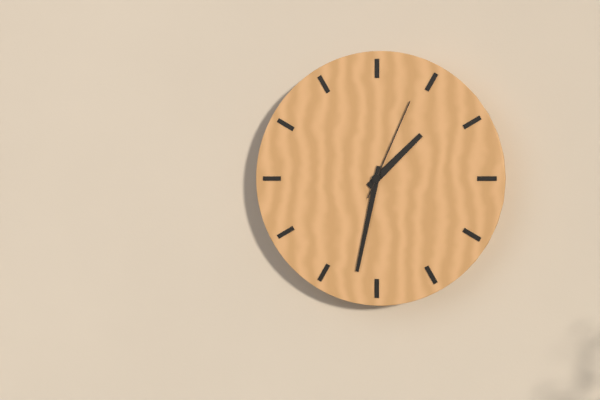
1:32:04
